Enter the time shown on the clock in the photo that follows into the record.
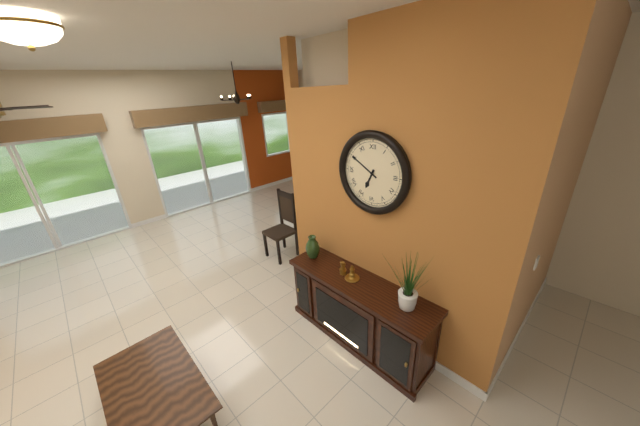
6:50
